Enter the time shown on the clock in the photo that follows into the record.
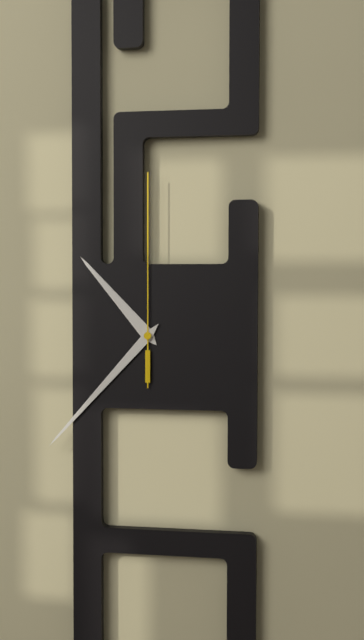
10:37:00
